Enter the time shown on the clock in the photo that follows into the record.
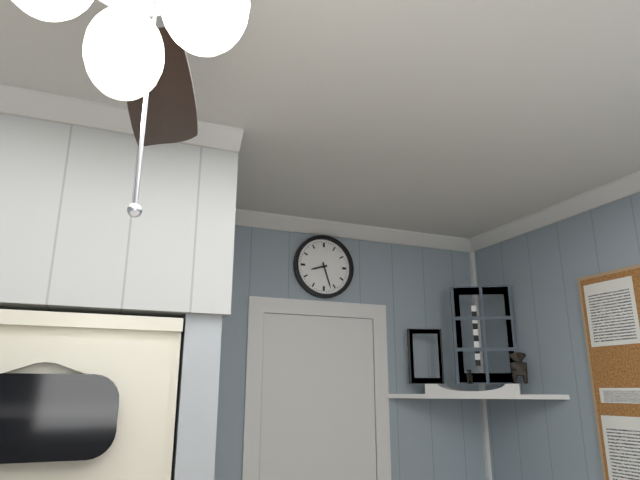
8:27
